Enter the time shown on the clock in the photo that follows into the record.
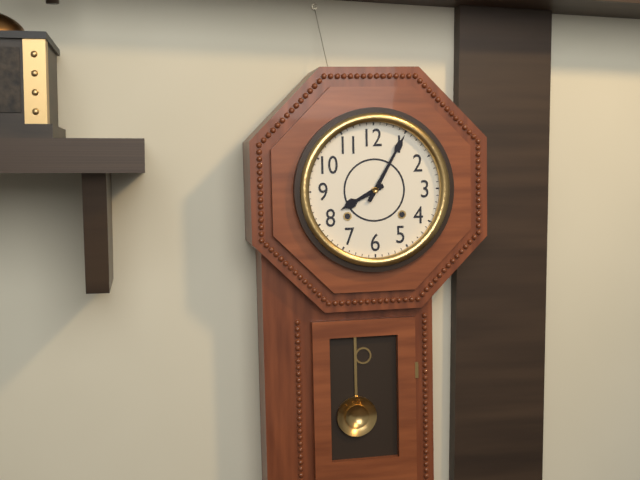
8:05
